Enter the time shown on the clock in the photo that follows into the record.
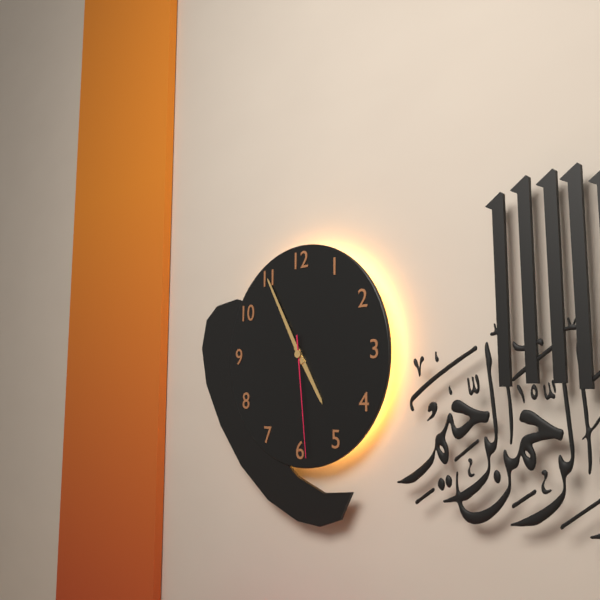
4:55:29
